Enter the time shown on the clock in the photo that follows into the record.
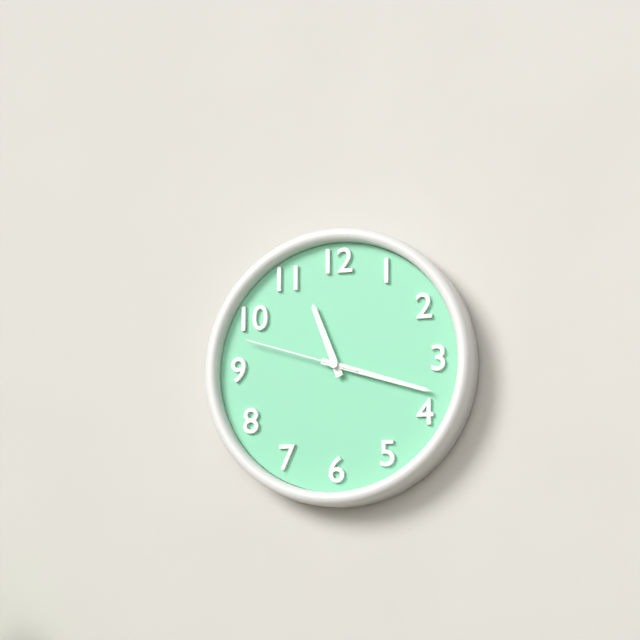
11:18:48
